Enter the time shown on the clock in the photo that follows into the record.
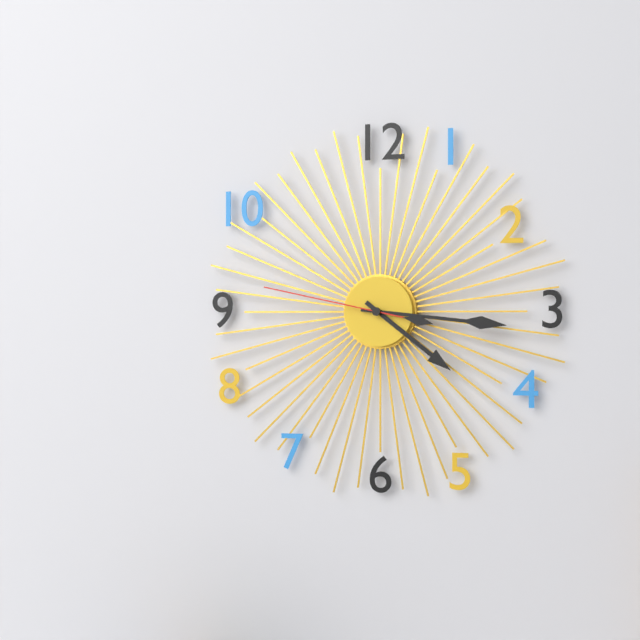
4:16:47
